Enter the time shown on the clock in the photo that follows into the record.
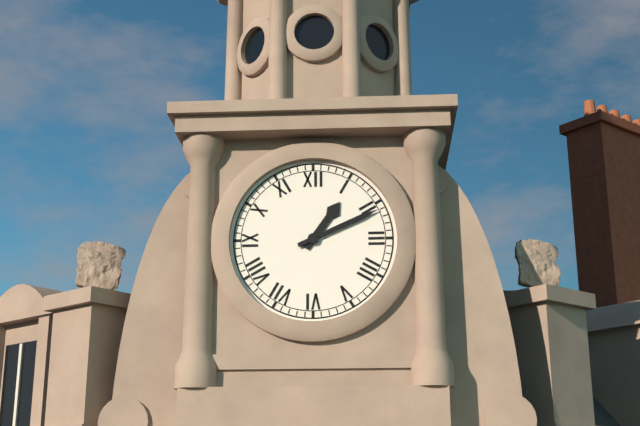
1:11
